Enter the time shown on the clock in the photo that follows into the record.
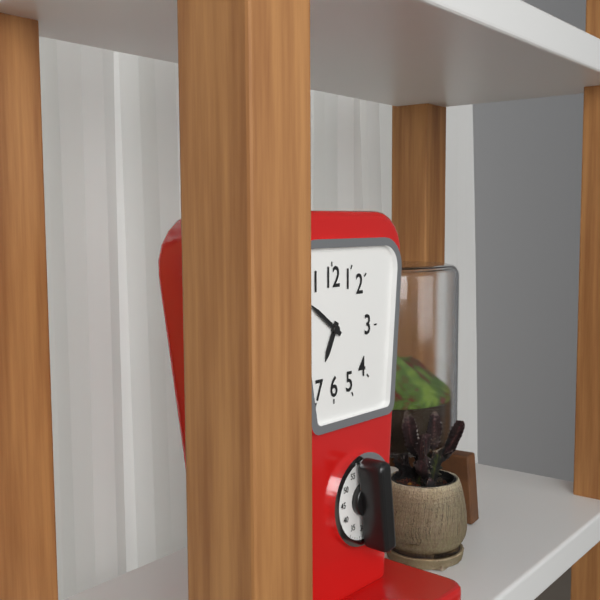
6:51
